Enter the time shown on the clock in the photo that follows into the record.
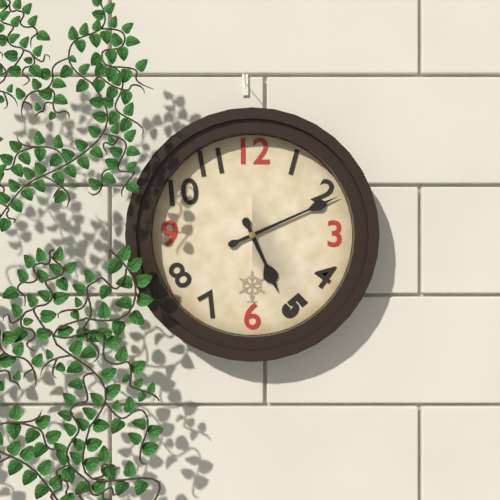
5:11
